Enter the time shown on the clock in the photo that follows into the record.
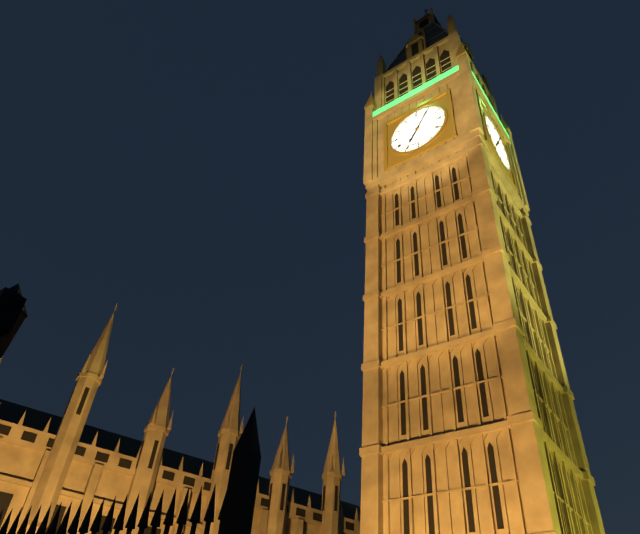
7:05
